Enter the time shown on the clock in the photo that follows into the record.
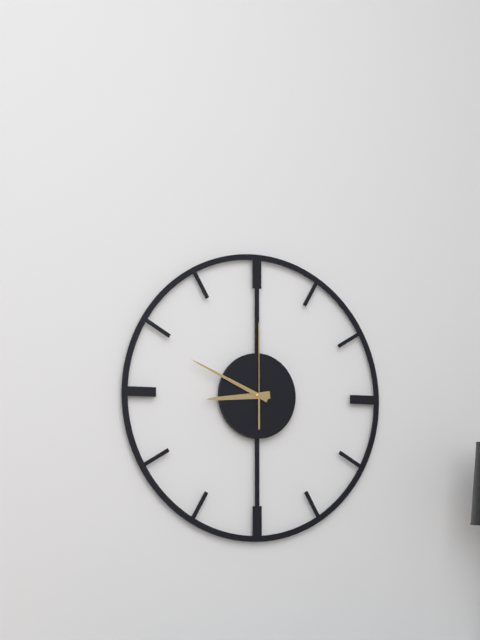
8:49:00
